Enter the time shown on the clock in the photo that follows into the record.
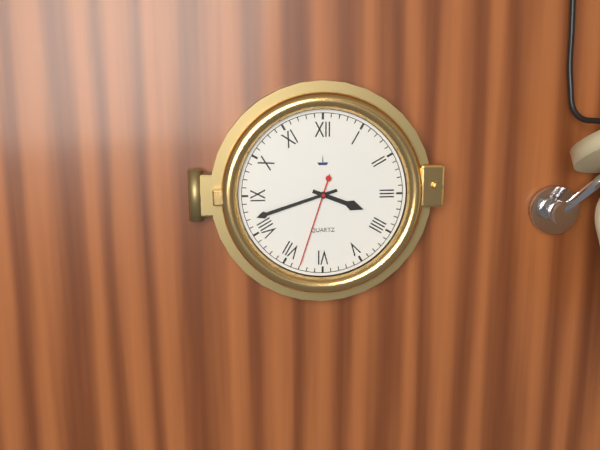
3:42:33
